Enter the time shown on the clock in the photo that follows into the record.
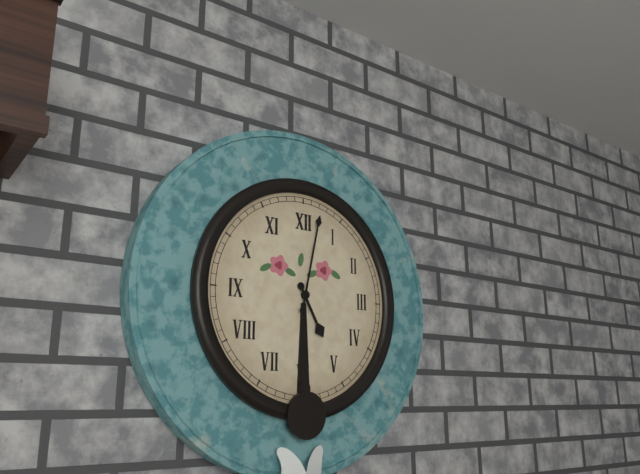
5:02
